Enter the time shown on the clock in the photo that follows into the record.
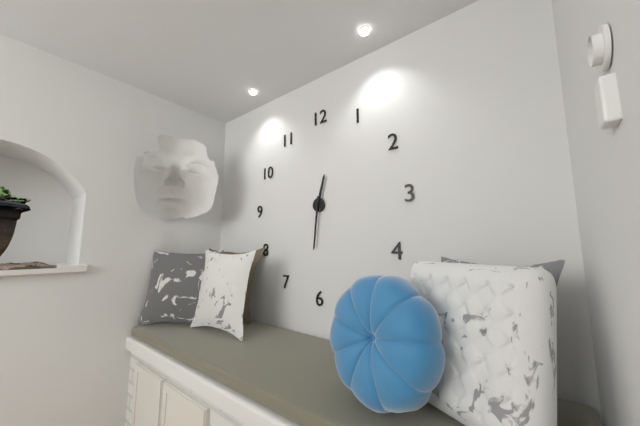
12:31
